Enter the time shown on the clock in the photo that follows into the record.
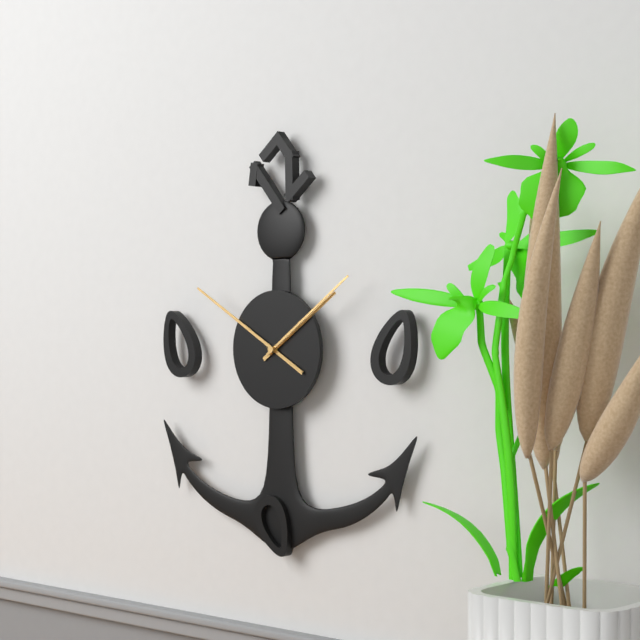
1:50:09
